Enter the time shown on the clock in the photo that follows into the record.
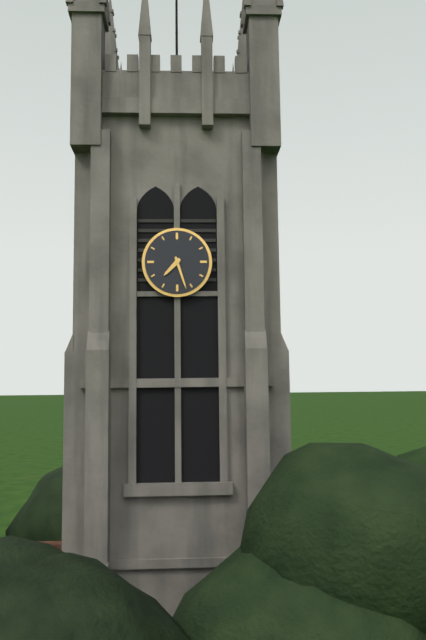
7:27
